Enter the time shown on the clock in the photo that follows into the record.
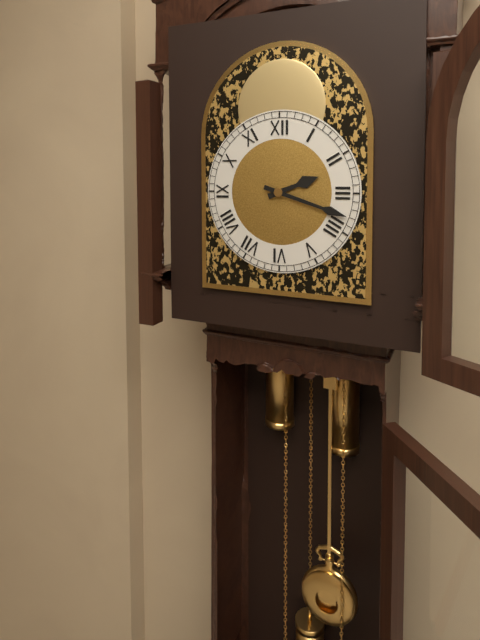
2:18
